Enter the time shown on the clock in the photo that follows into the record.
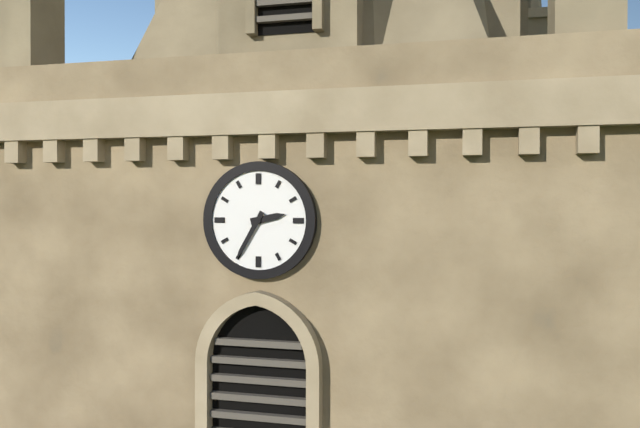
2:35
